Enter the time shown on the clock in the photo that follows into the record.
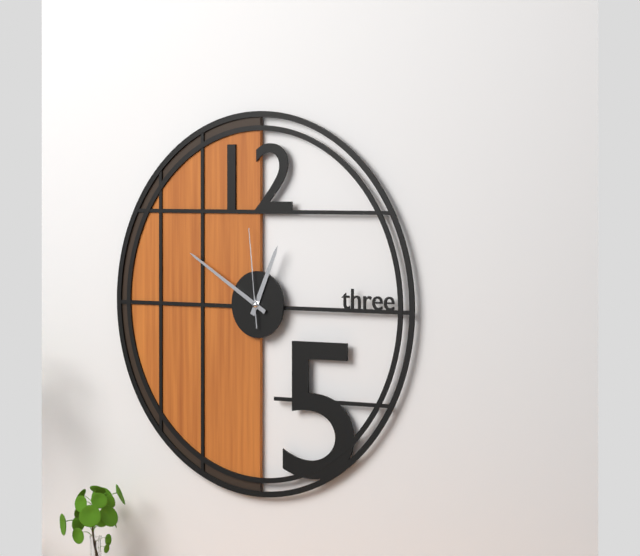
12:50:59
